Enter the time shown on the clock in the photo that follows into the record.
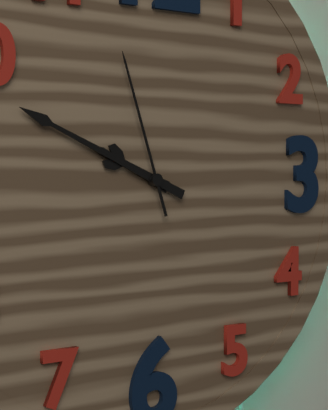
9:49:57
